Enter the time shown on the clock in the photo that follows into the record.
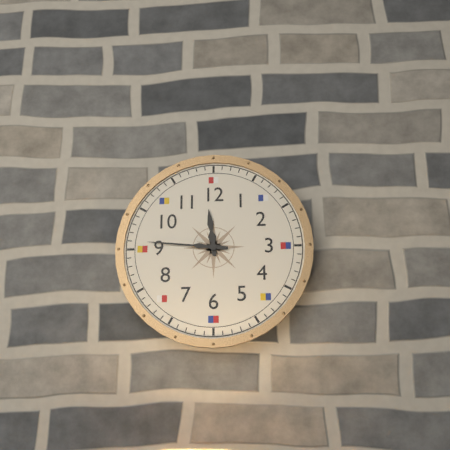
11:46
